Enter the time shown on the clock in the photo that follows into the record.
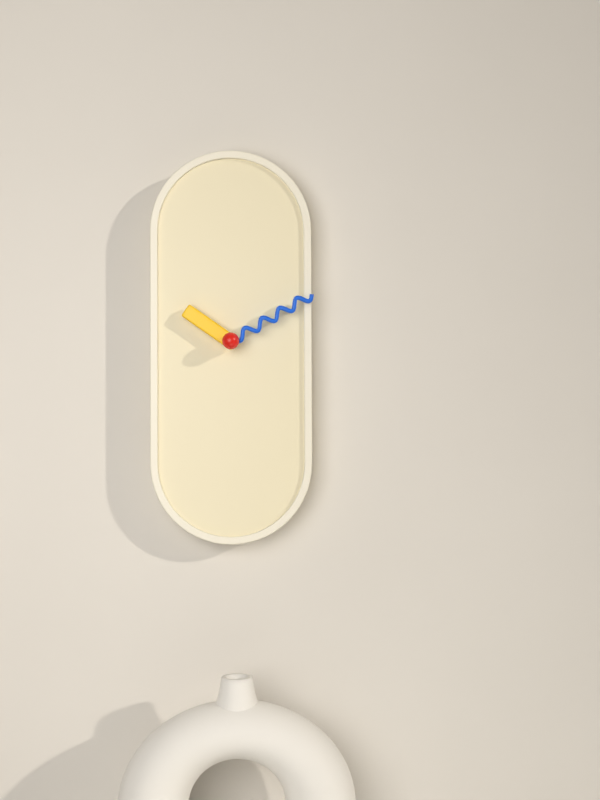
10:10
